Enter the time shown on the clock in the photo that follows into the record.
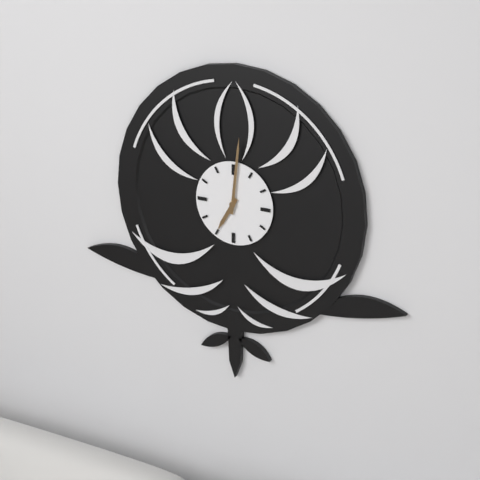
7:01
